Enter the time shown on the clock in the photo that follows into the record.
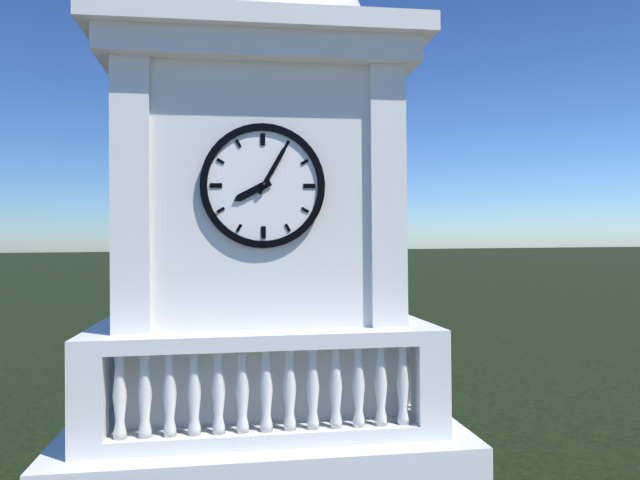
8:05
